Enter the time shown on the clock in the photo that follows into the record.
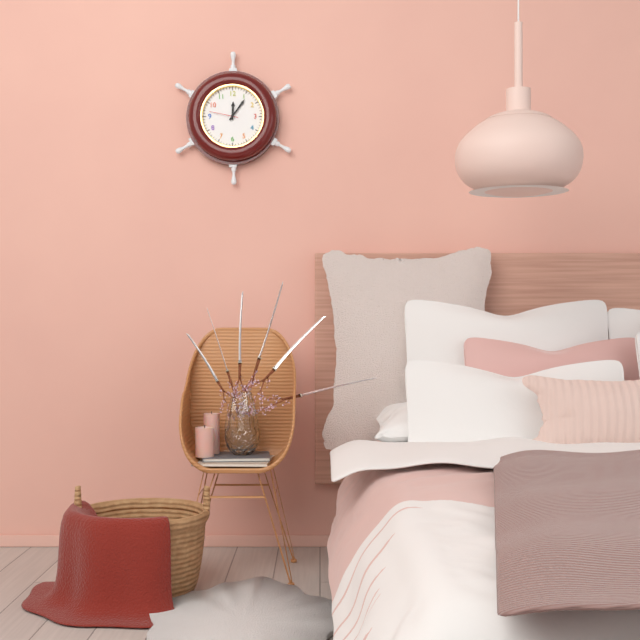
12:06
